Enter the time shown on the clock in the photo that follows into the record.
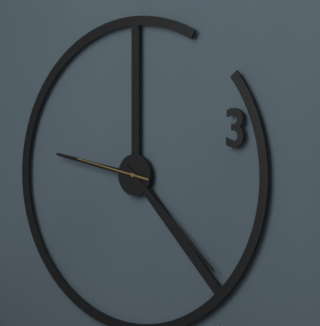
9:22:47
